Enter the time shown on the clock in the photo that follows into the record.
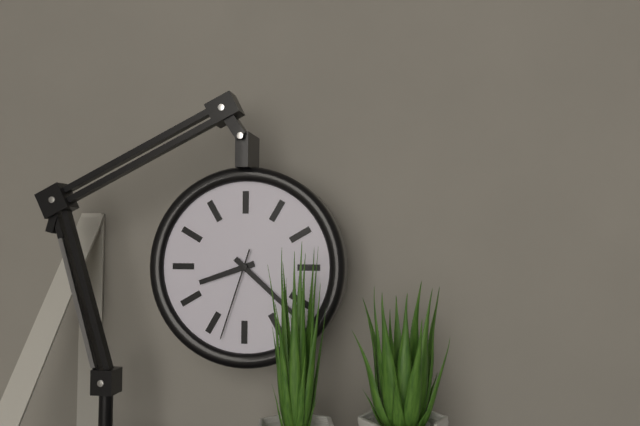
8:22:33
